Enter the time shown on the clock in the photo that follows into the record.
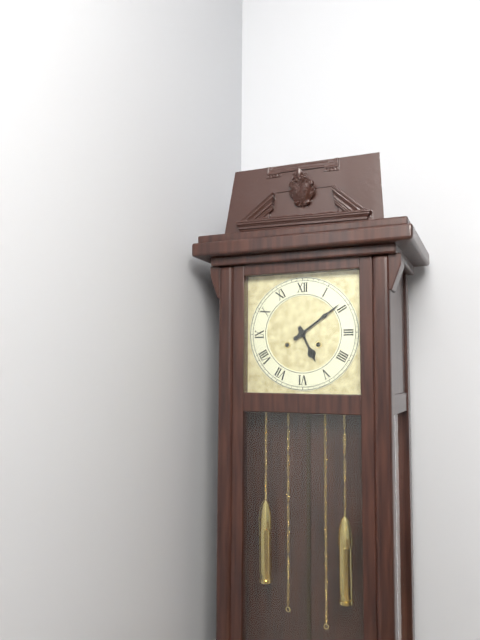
5:09
